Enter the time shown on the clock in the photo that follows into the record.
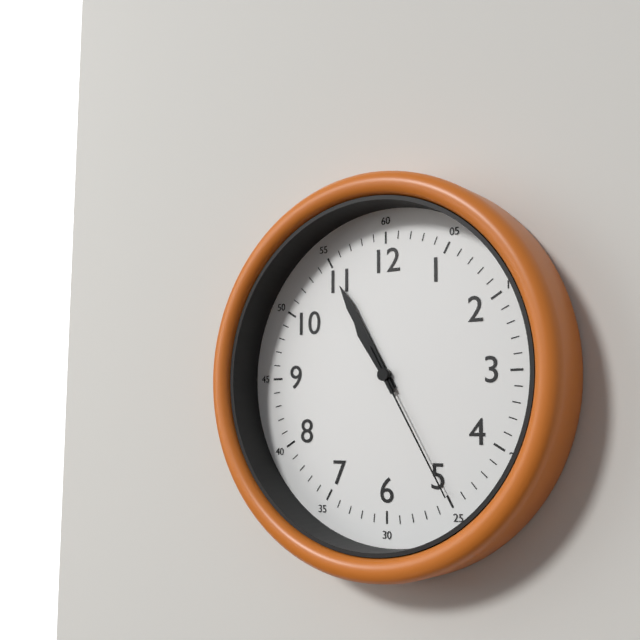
10:55:25
